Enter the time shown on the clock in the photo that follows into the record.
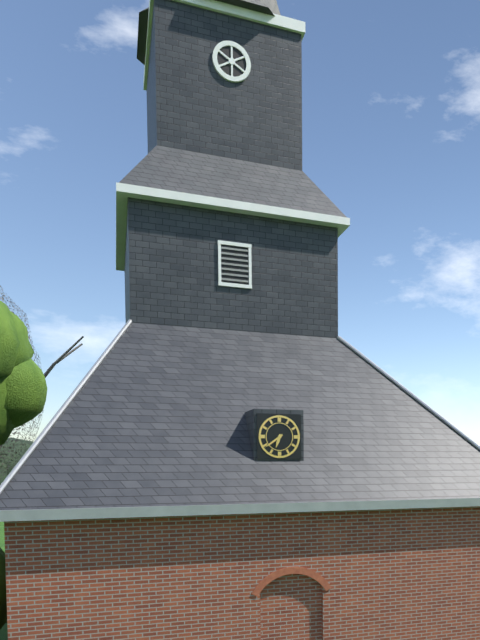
6:39
